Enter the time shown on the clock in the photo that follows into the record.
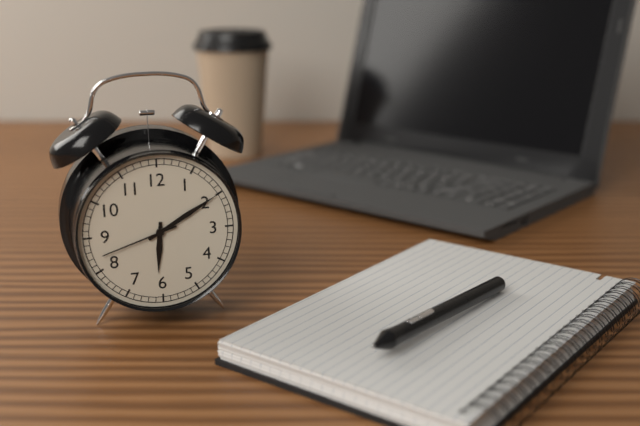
6:10:42
